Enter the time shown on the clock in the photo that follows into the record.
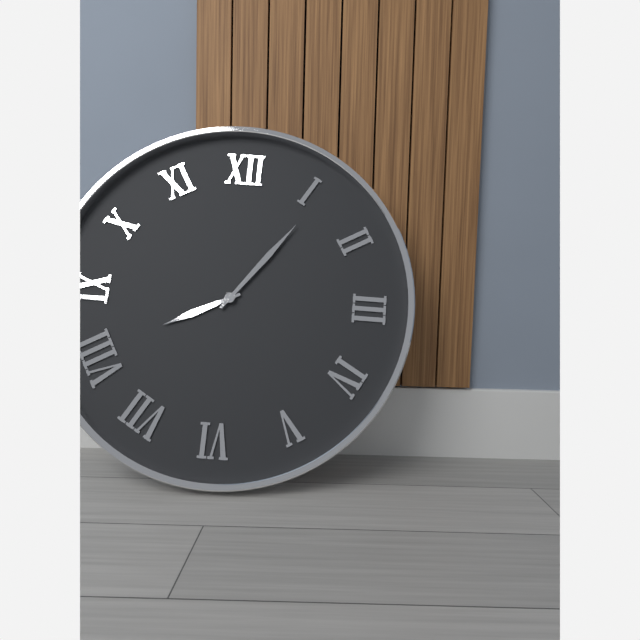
8:06
